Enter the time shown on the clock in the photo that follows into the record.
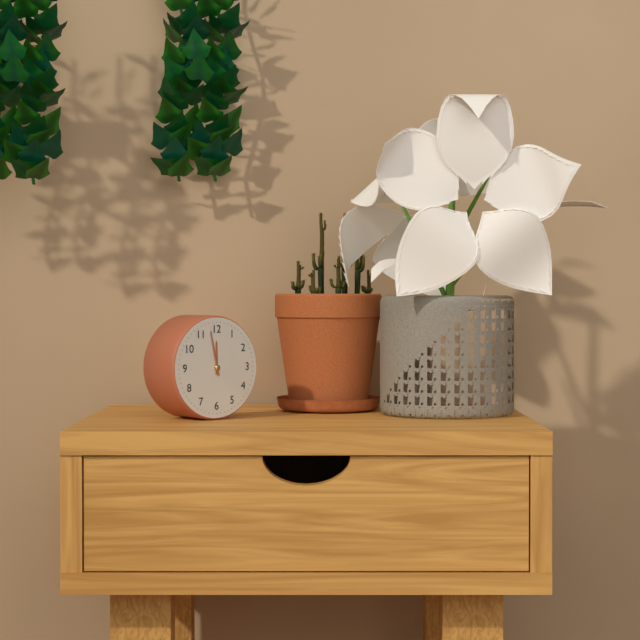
11:58
